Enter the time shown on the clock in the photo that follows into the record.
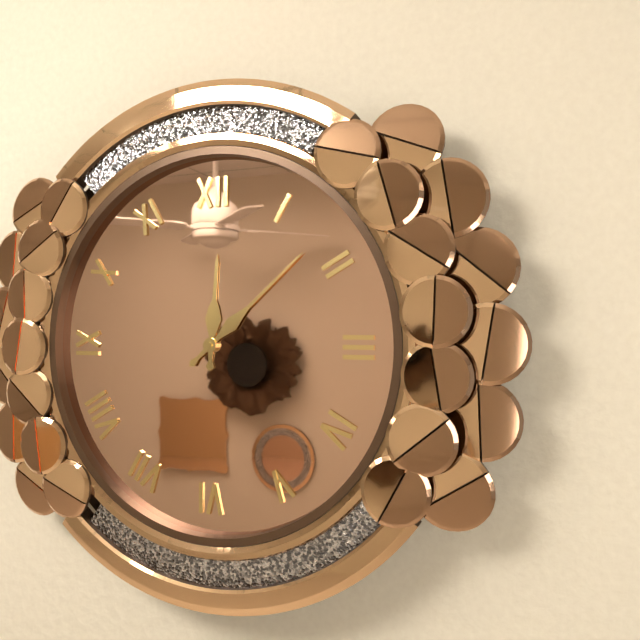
12:08
